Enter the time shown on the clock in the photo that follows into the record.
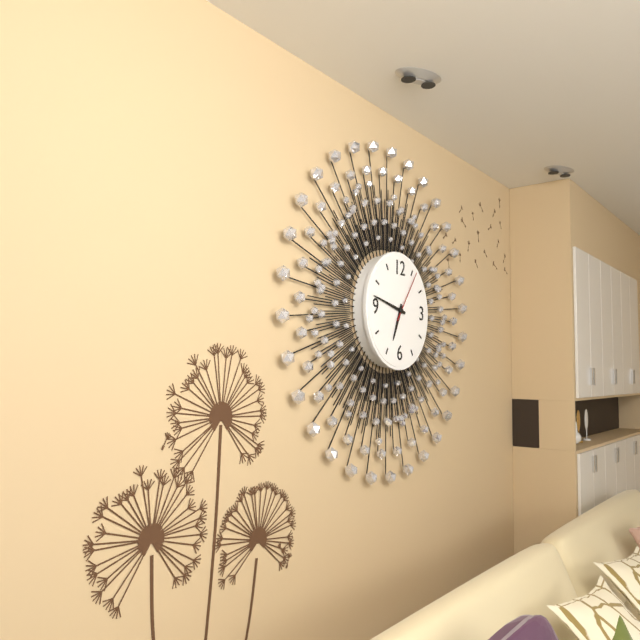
6:47:06
